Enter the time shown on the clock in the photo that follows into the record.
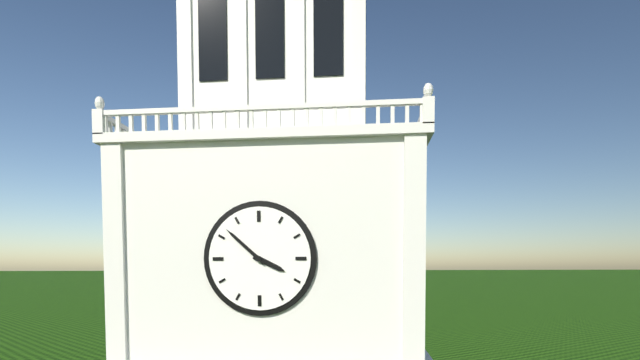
3:52
